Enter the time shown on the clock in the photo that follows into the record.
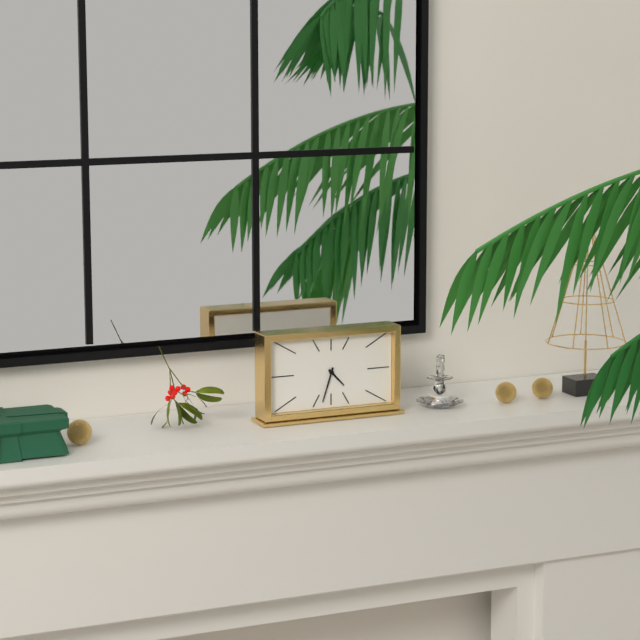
4:33
